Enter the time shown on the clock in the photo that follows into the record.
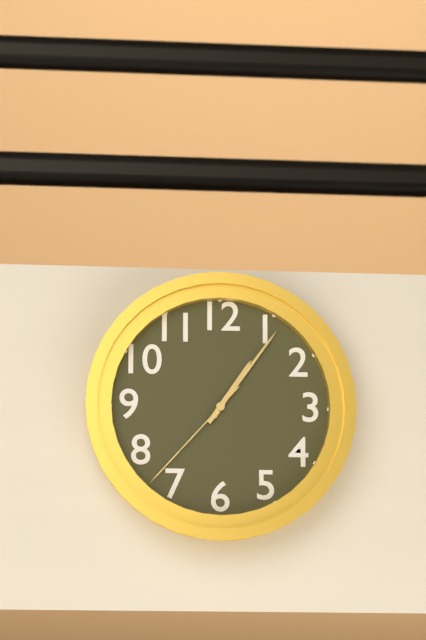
1:06:37
